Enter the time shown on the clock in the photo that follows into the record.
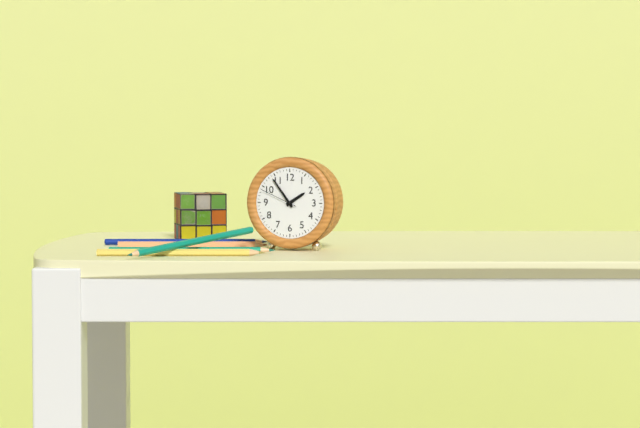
1:54
